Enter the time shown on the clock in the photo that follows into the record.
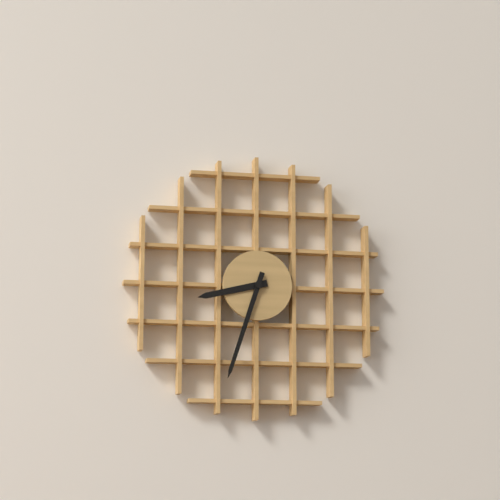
8:33
